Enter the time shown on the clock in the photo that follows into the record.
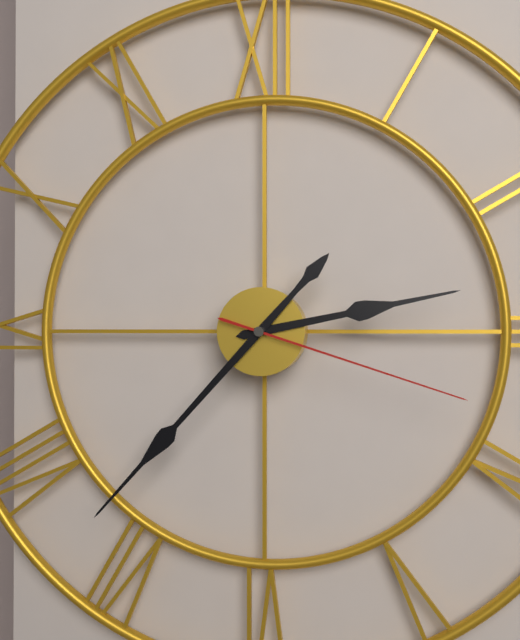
2:37:18
